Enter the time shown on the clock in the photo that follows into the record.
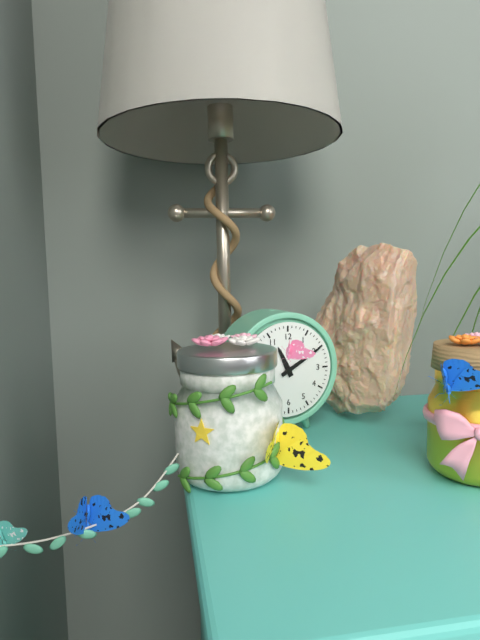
11:10
